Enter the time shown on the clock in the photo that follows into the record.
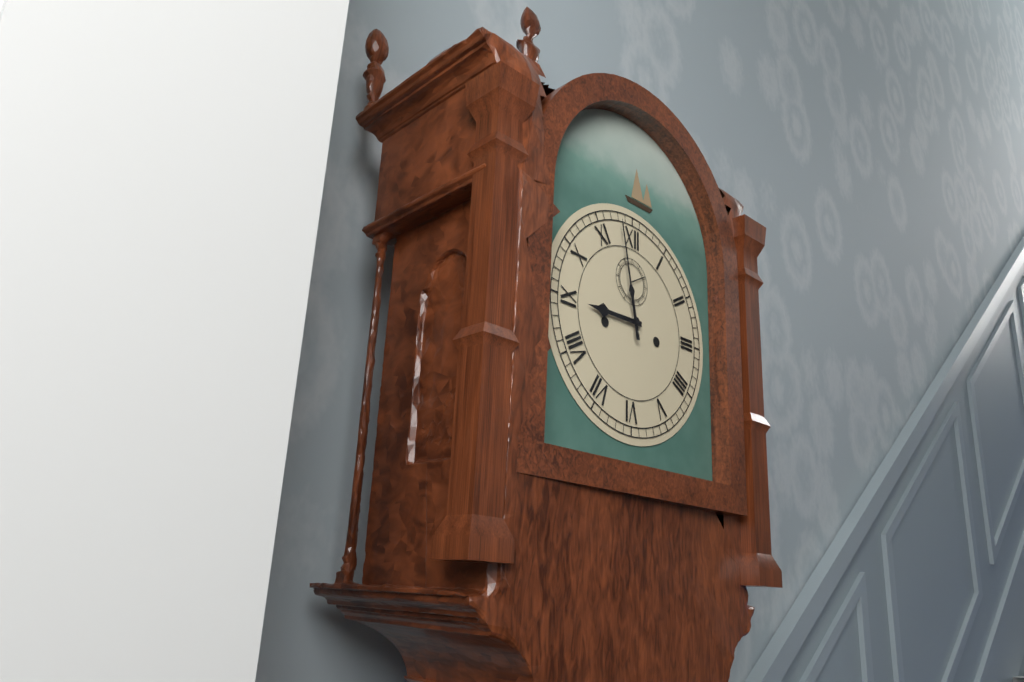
8:58
